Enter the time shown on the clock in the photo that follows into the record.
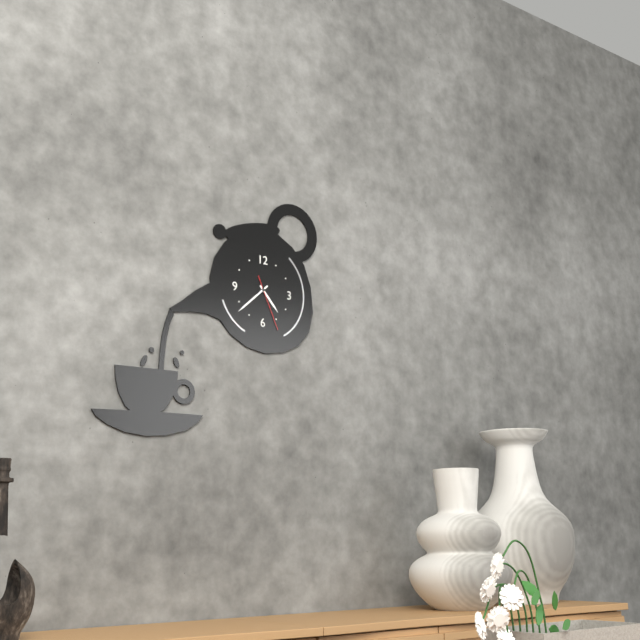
4:38:26
